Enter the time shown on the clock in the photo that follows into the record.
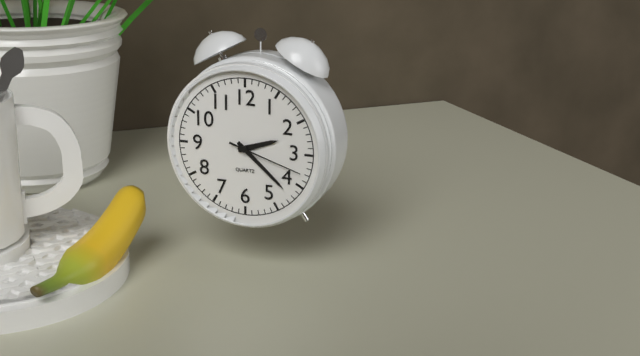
2:22:18
